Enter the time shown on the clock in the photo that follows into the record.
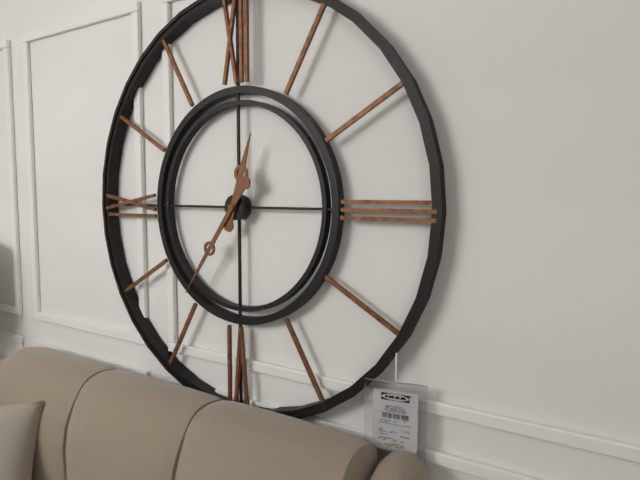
12:36
